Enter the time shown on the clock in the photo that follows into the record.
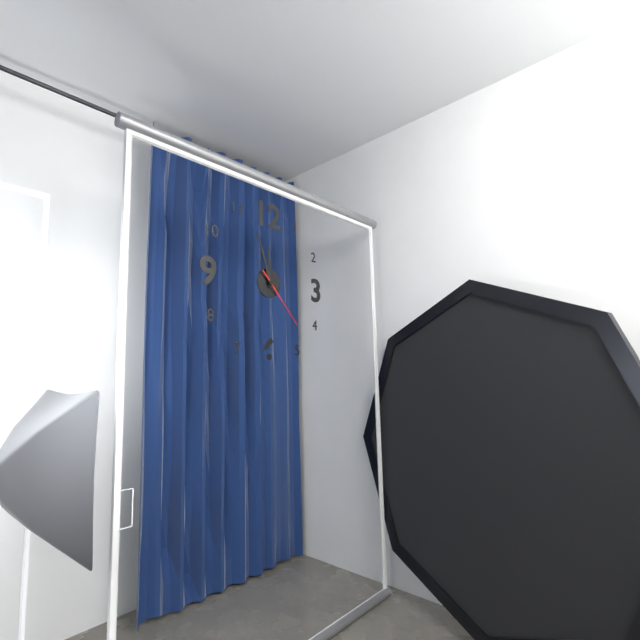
11:57:23
